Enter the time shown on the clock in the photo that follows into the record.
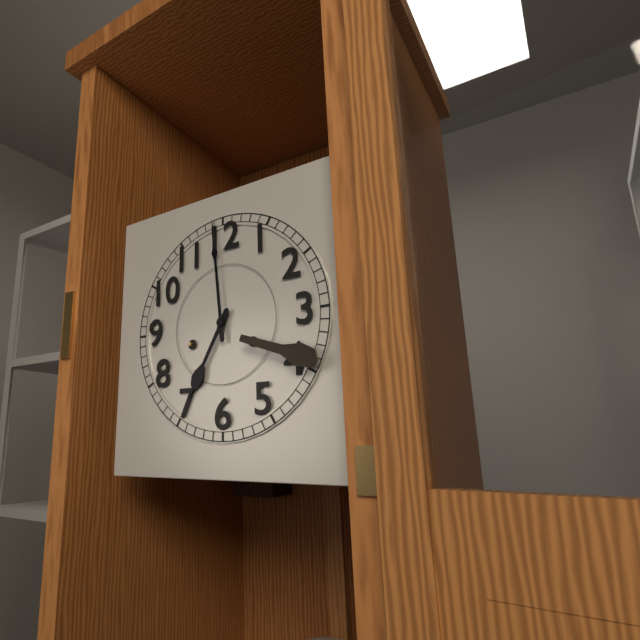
6:59
